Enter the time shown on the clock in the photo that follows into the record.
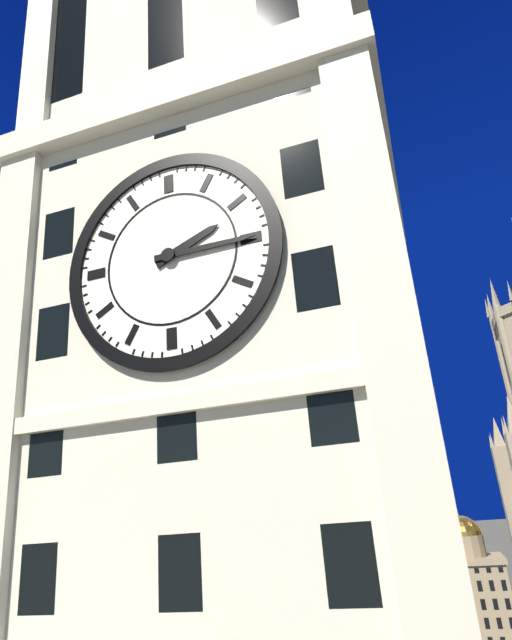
2:15
